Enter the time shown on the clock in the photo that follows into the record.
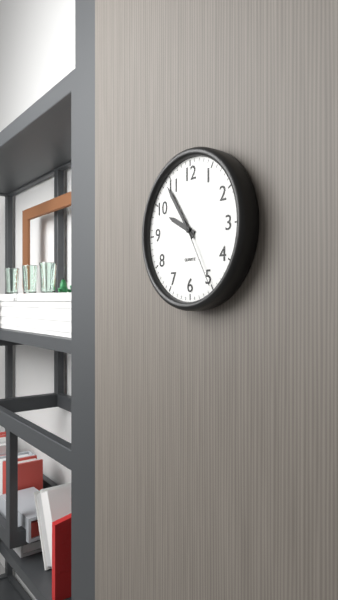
9:54:25
